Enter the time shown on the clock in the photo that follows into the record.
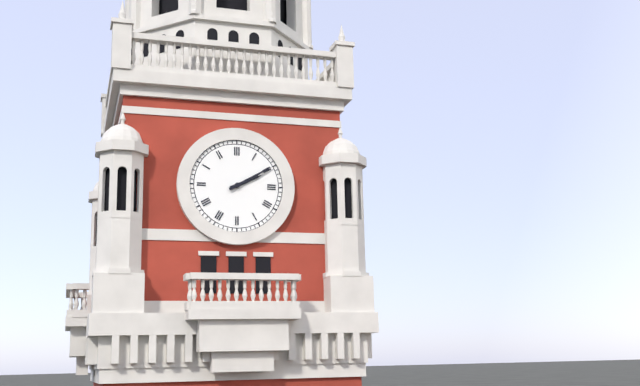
2:10
